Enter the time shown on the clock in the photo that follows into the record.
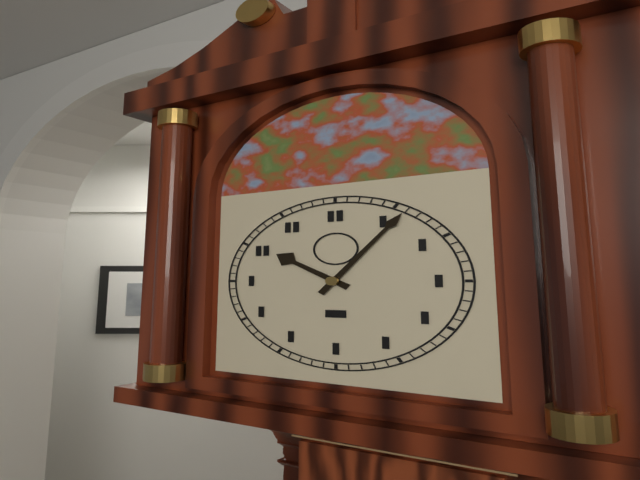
10:06
